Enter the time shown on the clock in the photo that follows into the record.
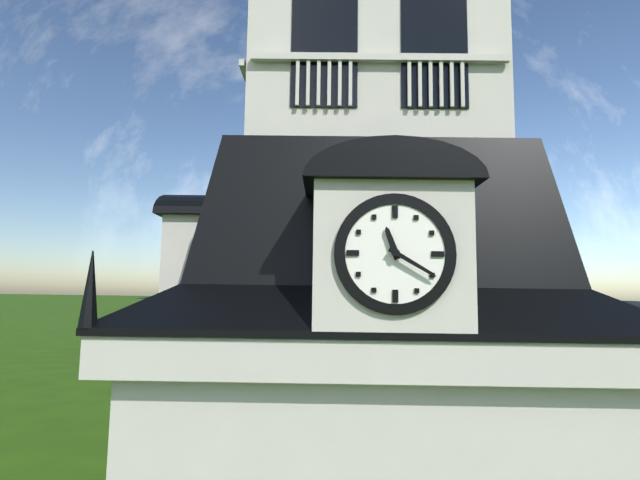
11:20
